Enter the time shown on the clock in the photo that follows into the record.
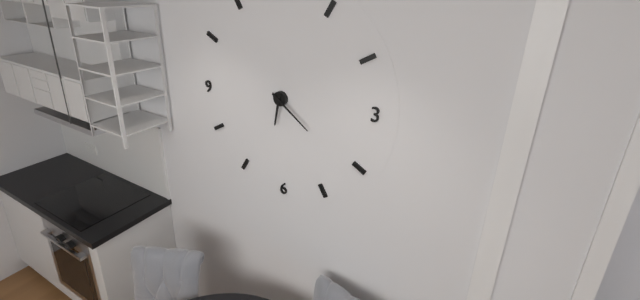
6:21
